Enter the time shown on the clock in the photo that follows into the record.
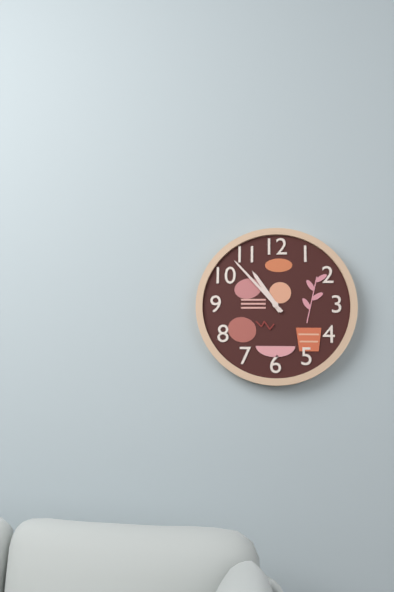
10:53
